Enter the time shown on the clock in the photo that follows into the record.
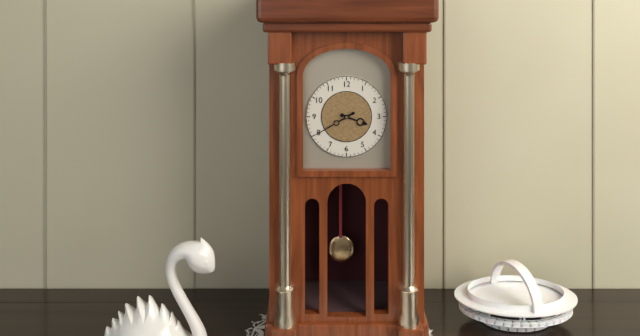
3:40
